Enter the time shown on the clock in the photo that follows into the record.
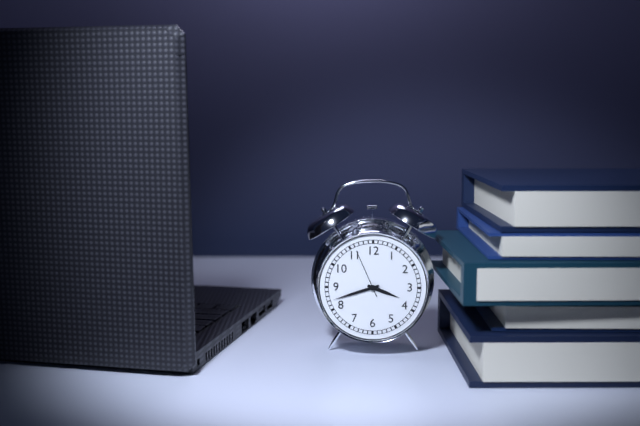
3:42:56
